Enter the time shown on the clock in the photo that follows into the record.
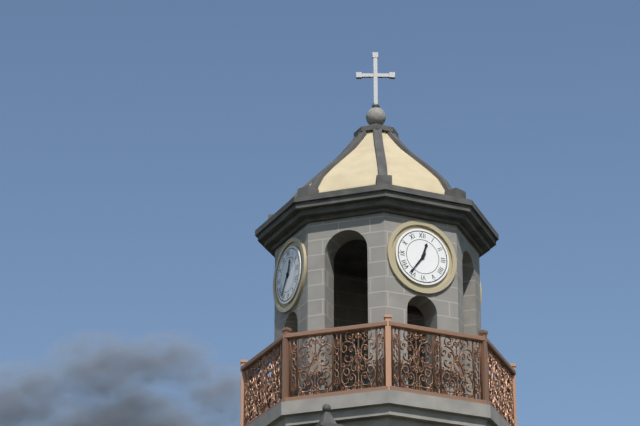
12:36
